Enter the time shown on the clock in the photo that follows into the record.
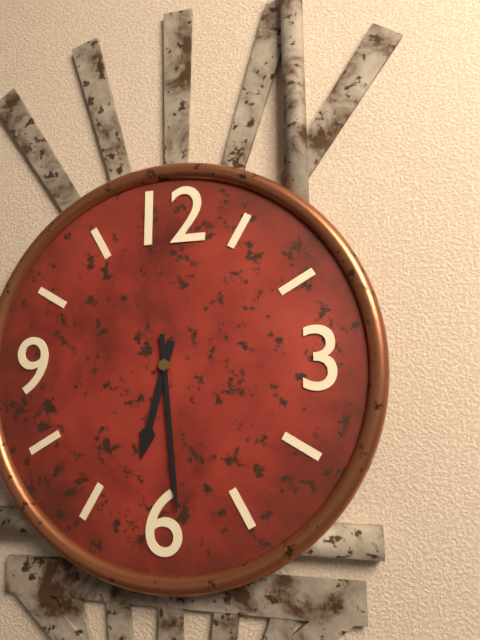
6:29
